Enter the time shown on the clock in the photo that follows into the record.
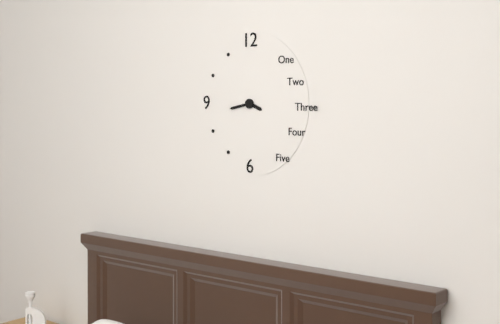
3:43
